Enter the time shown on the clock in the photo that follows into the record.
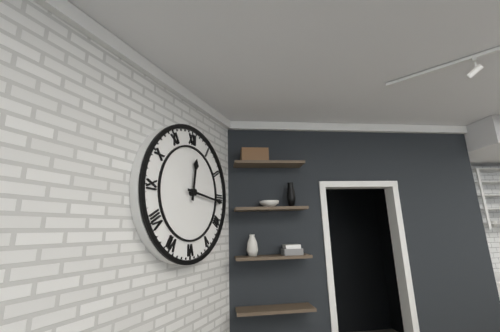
12:16
